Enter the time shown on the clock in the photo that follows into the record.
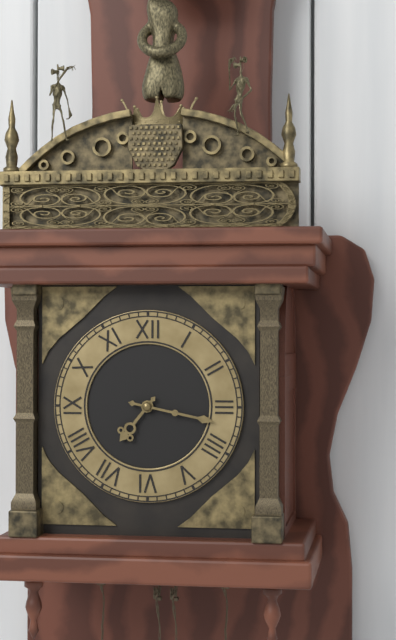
7:17
